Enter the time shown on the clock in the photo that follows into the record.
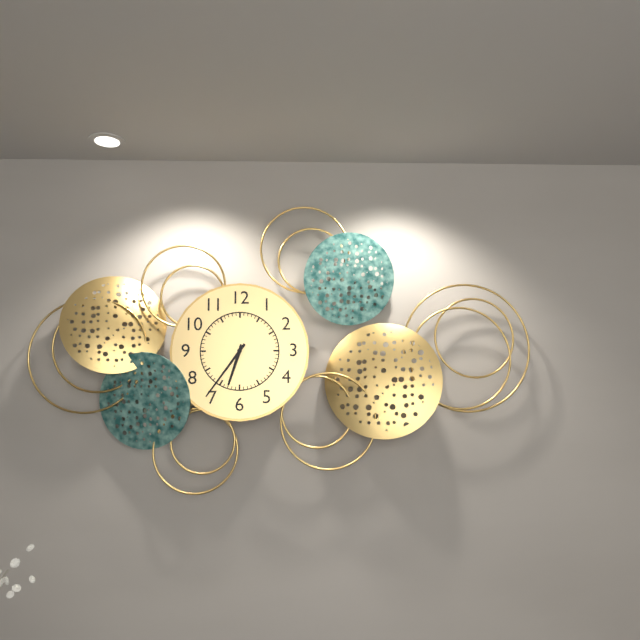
6:36
